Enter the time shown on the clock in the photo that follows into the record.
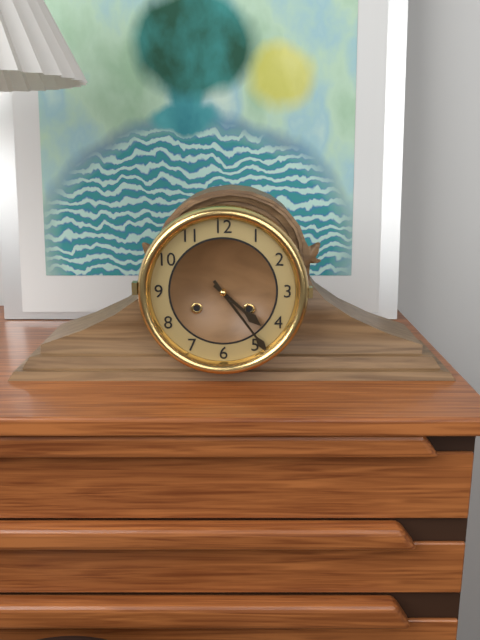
4:24
